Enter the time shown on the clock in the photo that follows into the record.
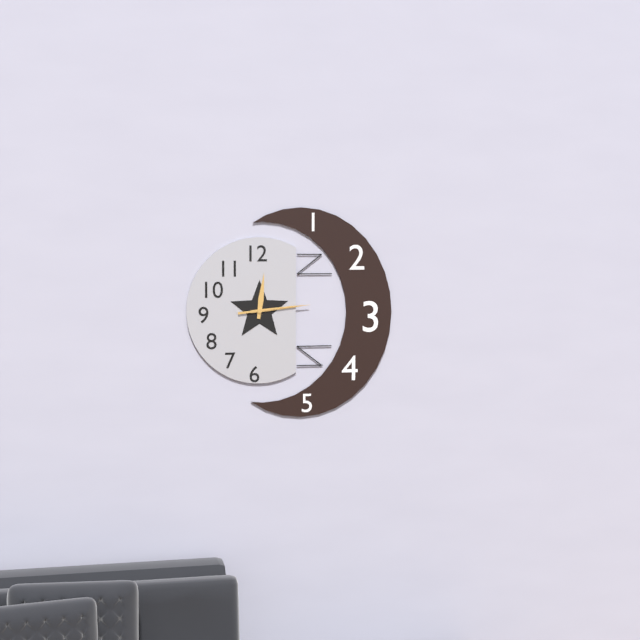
12:14:14
